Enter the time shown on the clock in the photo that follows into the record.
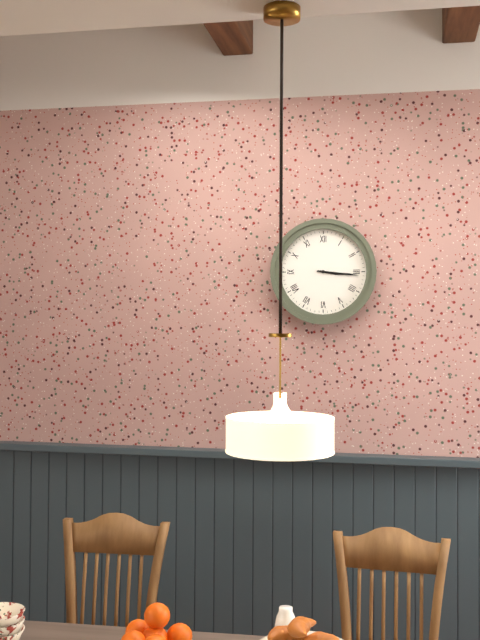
3:16
